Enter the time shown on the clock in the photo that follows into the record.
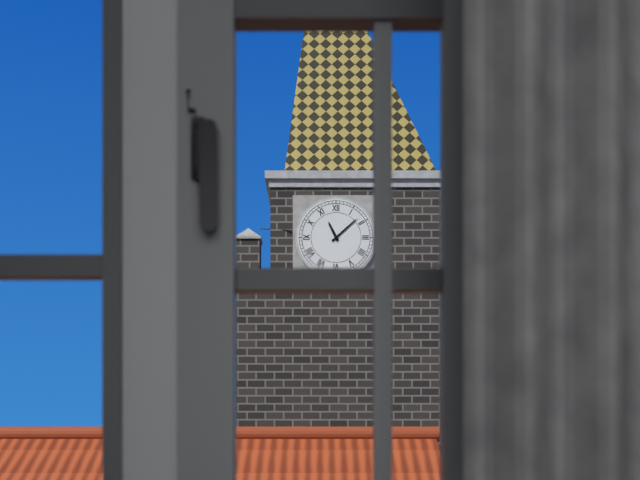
11:08
